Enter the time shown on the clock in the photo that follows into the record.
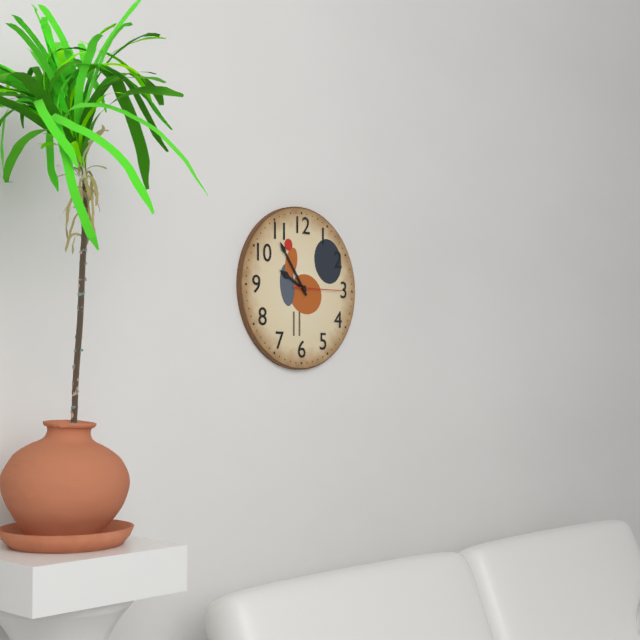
9:54
